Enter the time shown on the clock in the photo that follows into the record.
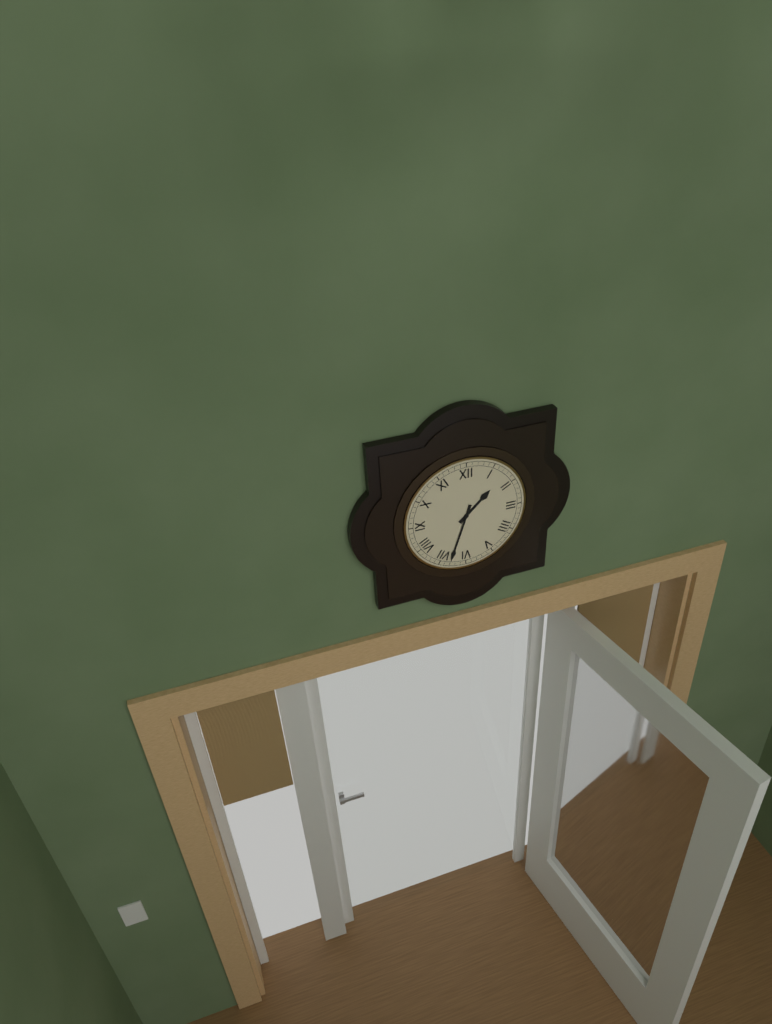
1:33
